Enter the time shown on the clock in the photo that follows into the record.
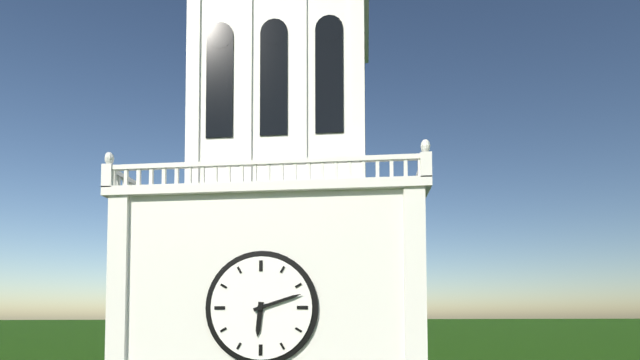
6:12
